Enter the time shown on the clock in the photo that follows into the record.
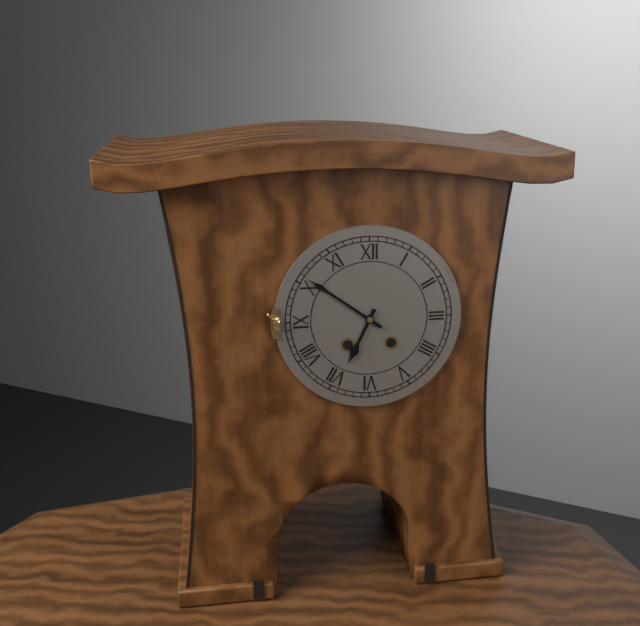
6:51
